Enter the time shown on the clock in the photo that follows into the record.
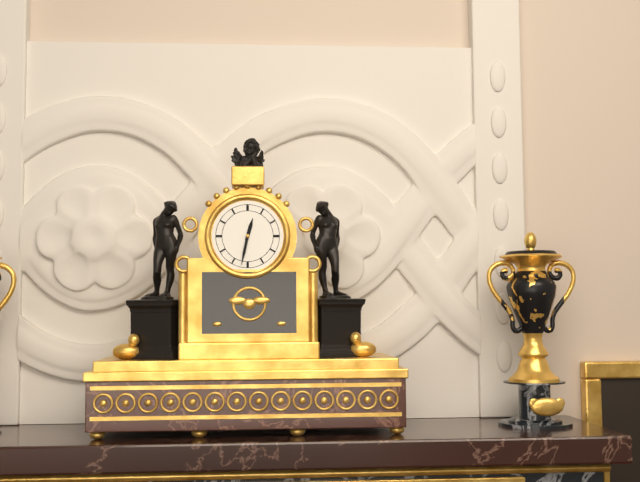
12:32
